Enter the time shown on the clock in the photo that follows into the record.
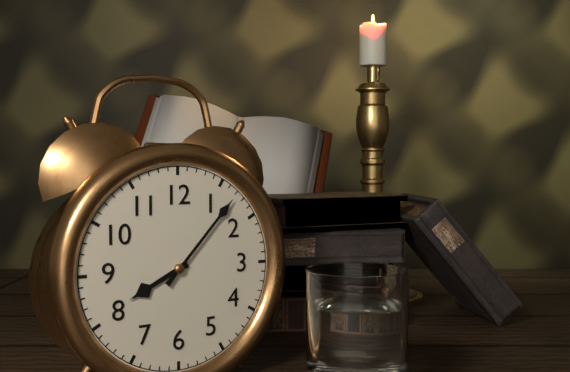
8:07
